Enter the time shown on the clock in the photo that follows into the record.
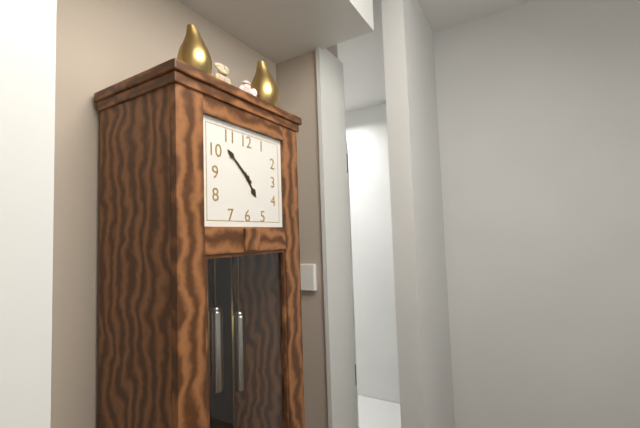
4:52
